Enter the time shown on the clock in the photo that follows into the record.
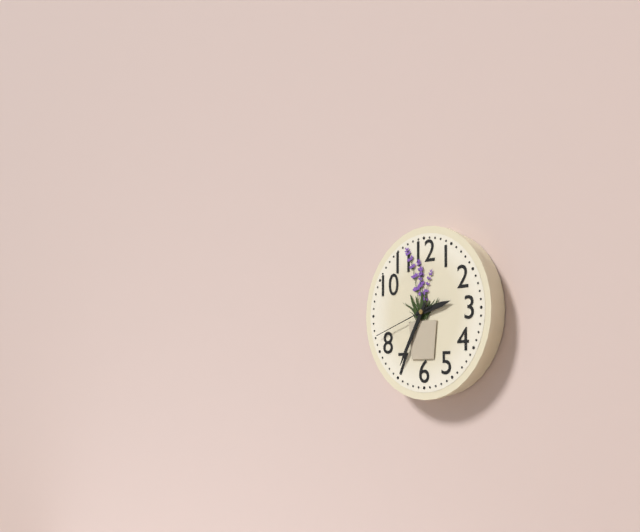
2:35:42
